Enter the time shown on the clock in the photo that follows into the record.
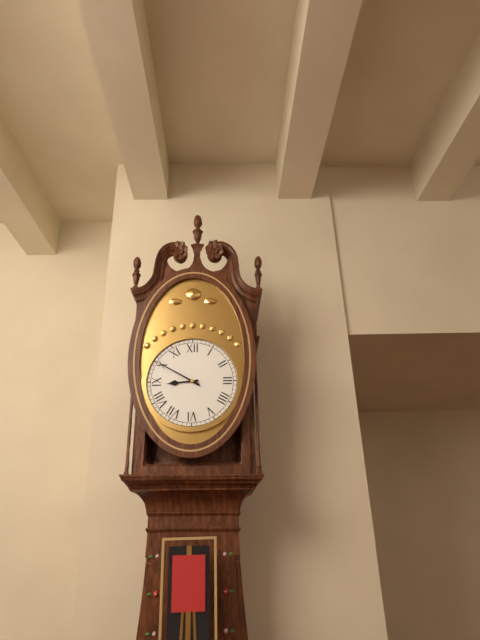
8:50
